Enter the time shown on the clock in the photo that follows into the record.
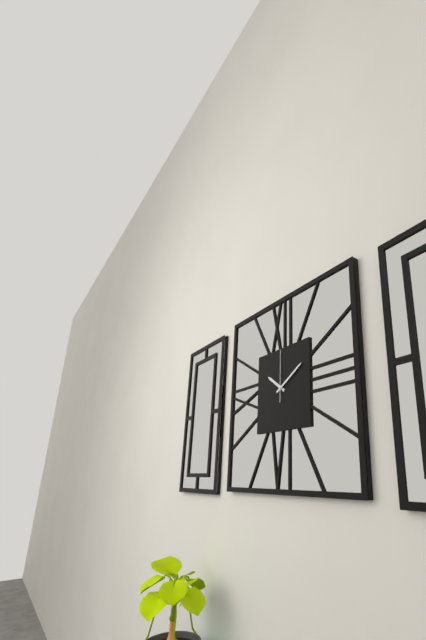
10:10:00
